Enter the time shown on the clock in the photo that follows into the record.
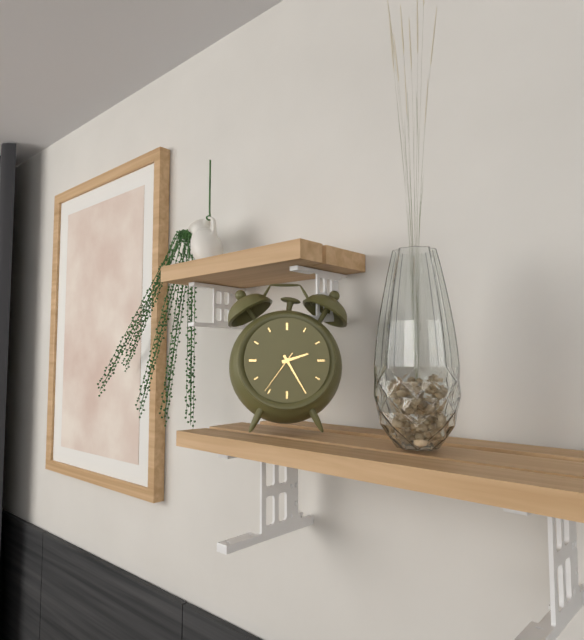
2:25
